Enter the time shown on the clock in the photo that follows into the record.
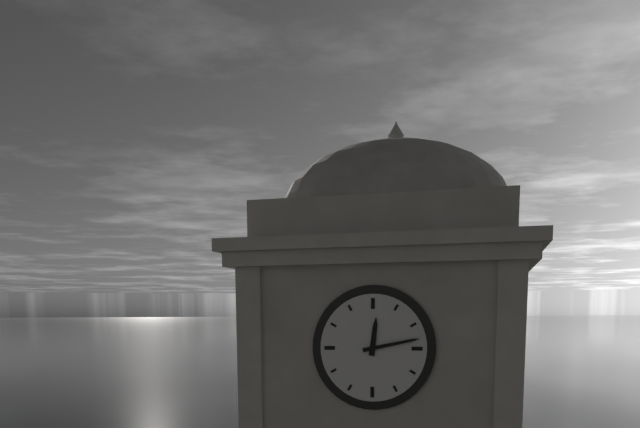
12:13
